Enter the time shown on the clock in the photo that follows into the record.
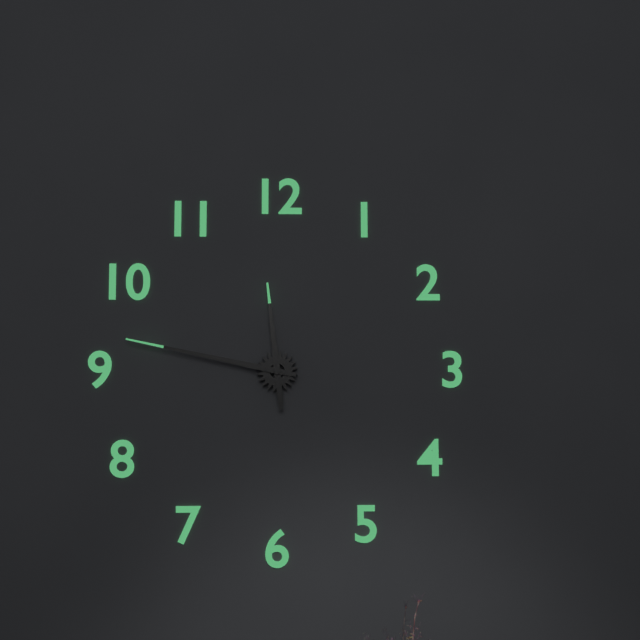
11:47
